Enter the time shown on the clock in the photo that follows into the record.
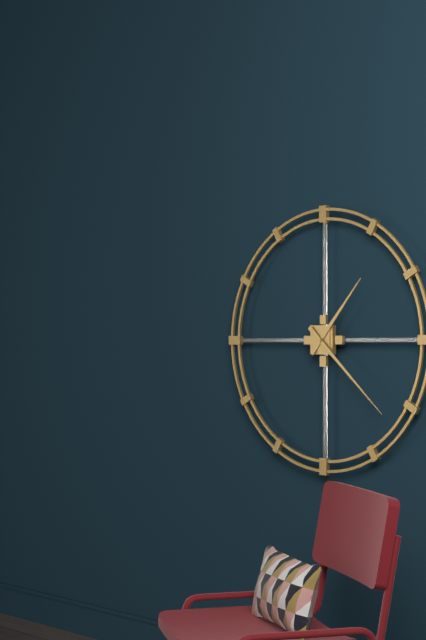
1:22
